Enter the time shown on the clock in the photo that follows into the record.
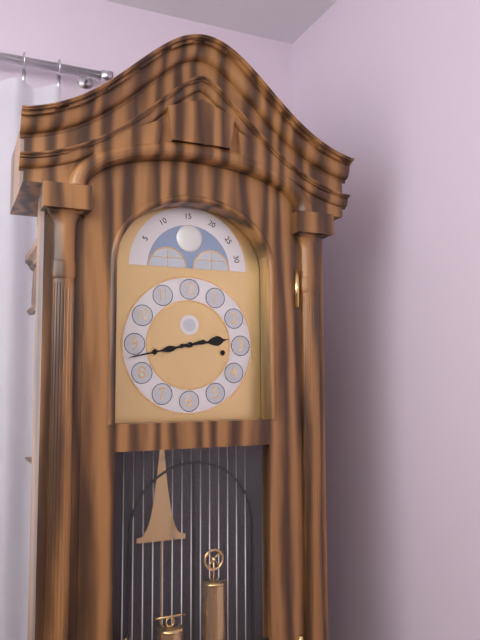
2:43
